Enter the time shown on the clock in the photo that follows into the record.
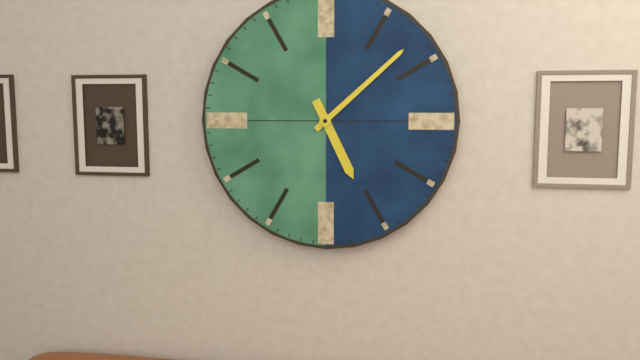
5:08
